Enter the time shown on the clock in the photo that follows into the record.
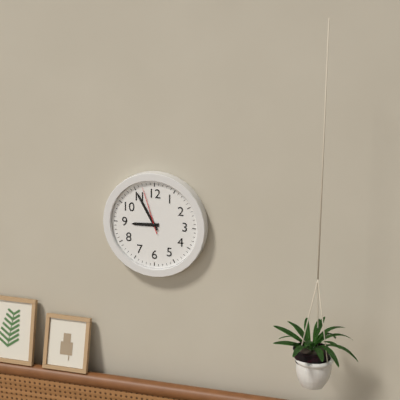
8:55
